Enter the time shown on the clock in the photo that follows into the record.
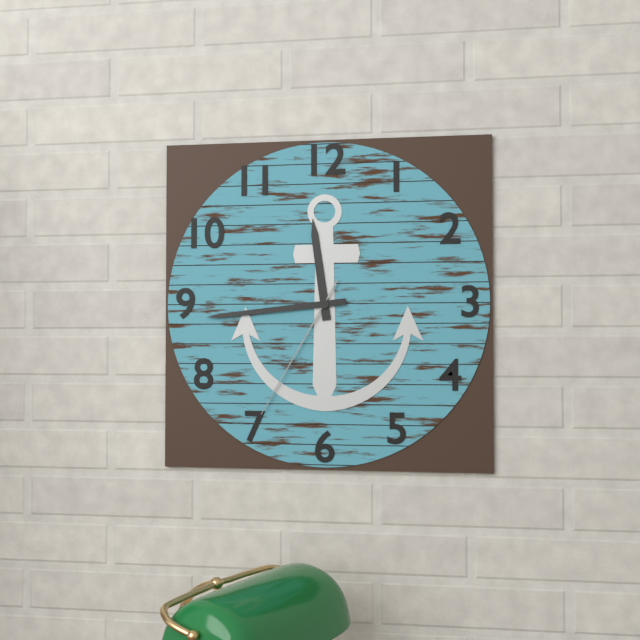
11:44:35
